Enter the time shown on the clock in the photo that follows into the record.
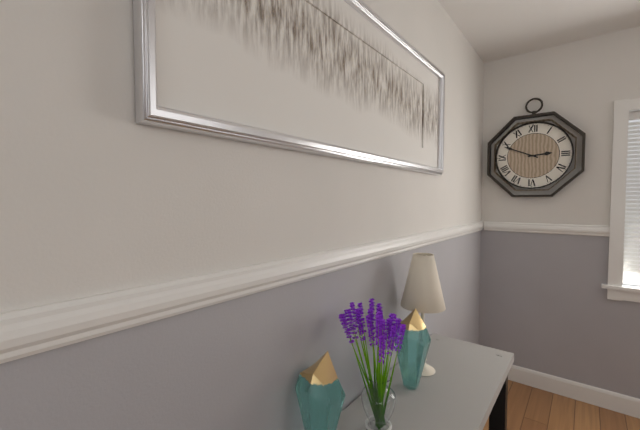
2:49
